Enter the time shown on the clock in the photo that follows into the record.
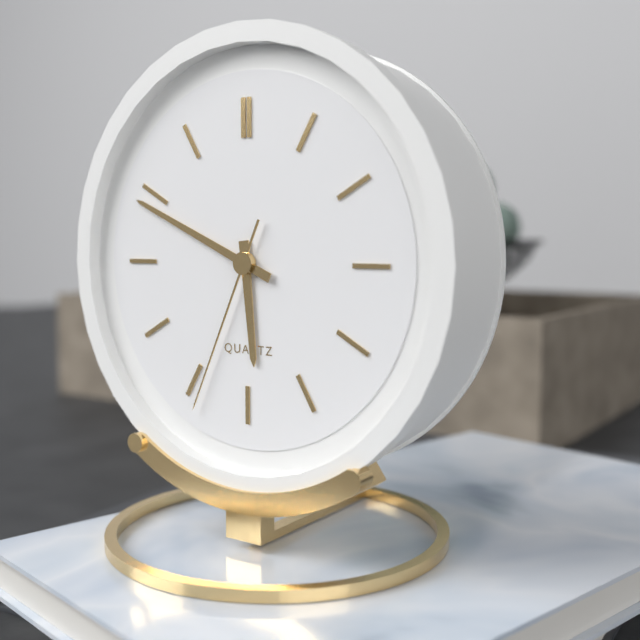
5:49:34
